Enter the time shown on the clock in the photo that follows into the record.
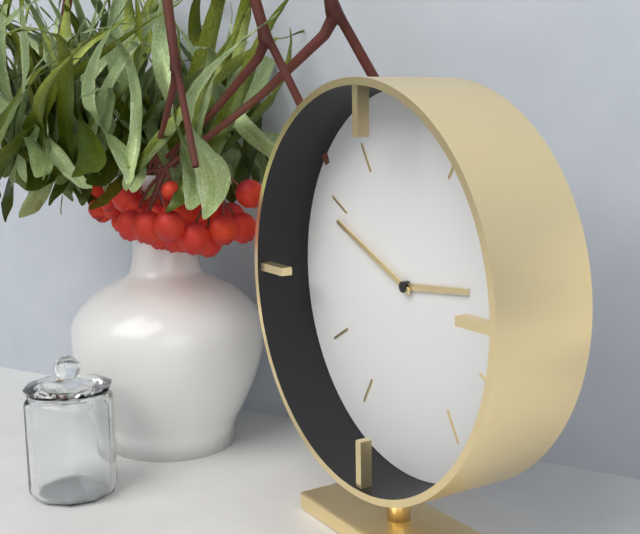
2:49
